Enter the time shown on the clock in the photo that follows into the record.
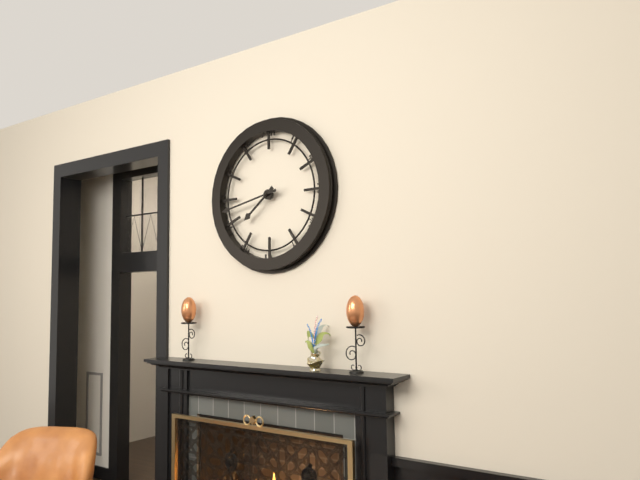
7:43
